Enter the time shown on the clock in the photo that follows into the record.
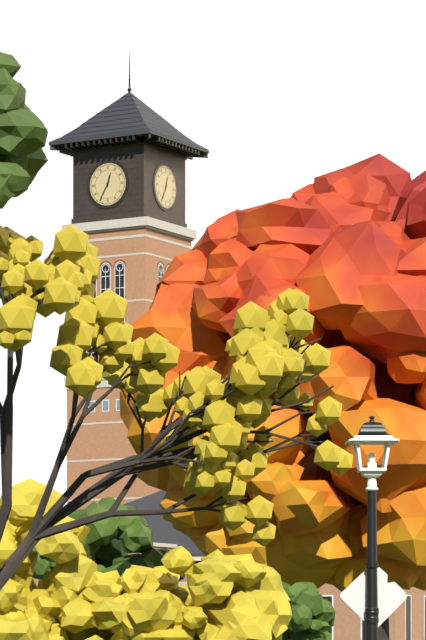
12:35
